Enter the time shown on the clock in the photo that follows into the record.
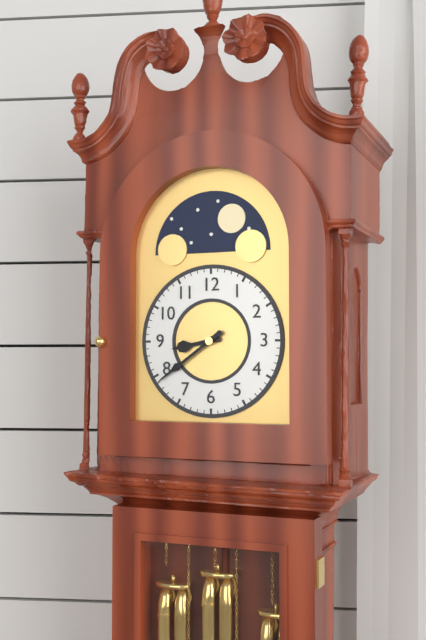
8:39
